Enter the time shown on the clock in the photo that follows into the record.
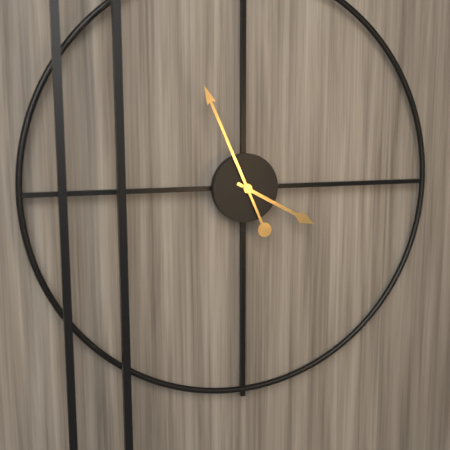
3:56
